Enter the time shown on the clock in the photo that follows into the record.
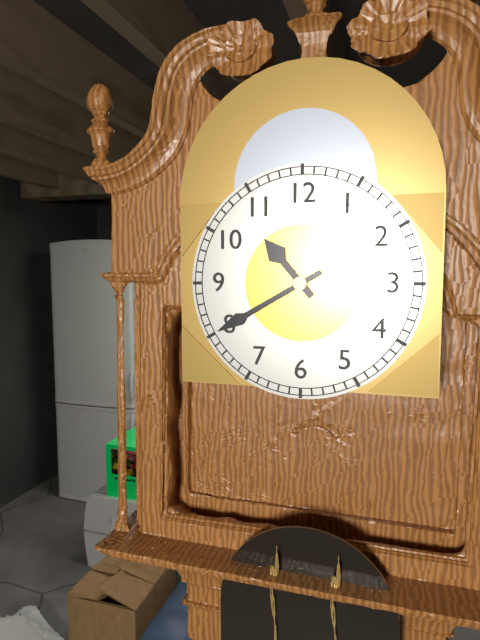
10:40
